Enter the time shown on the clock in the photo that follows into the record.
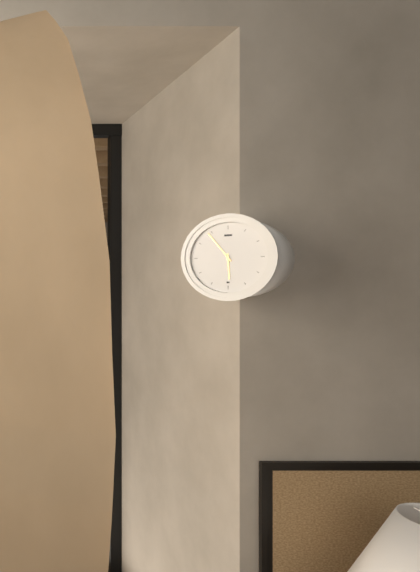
5:54
